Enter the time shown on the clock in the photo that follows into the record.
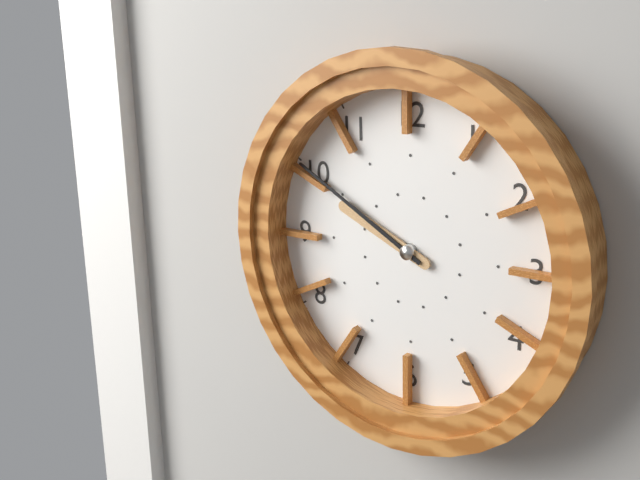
9:50
